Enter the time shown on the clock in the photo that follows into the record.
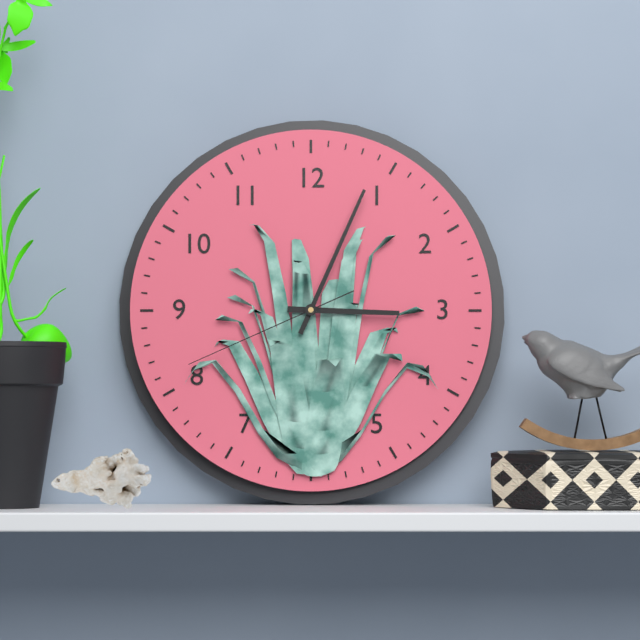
3:04:41
